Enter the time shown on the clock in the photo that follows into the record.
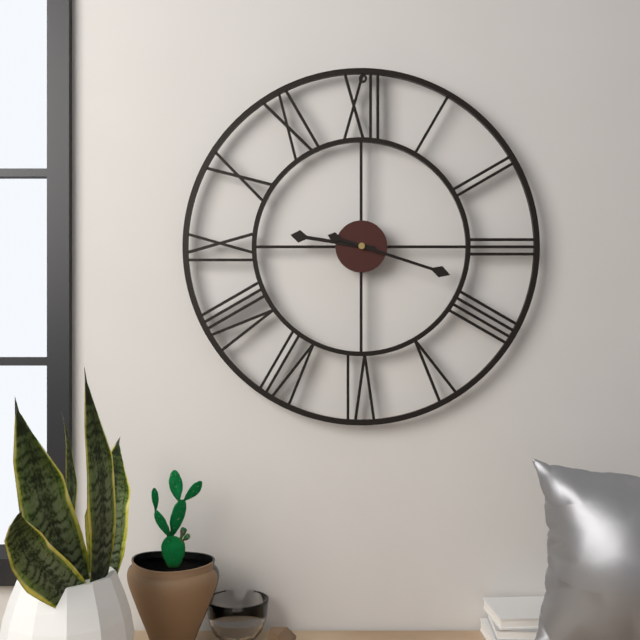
9:18
